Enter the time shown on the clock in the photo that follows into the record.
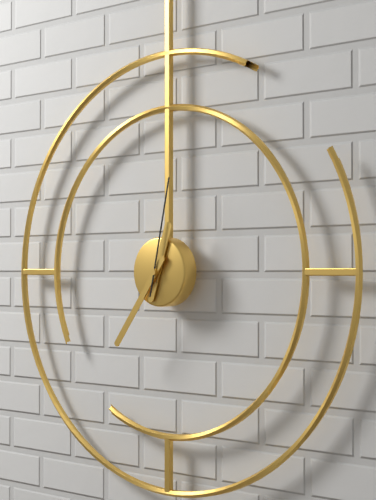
12:36:02
